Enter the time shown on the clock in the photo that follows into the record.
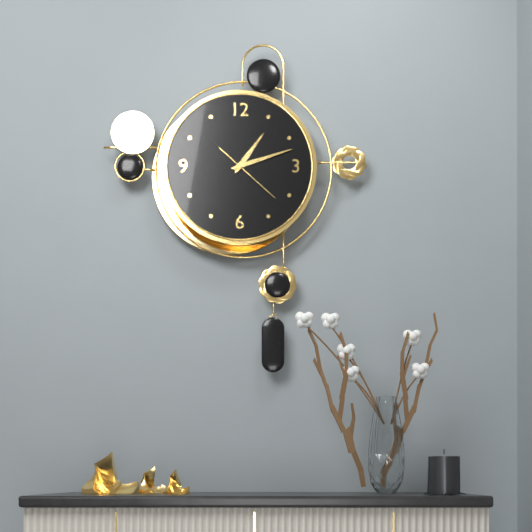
1:12:22
